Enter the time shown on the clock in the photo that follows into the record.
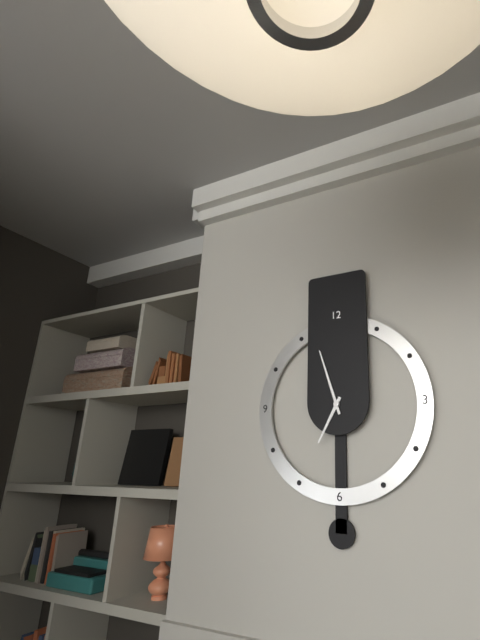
6:57
